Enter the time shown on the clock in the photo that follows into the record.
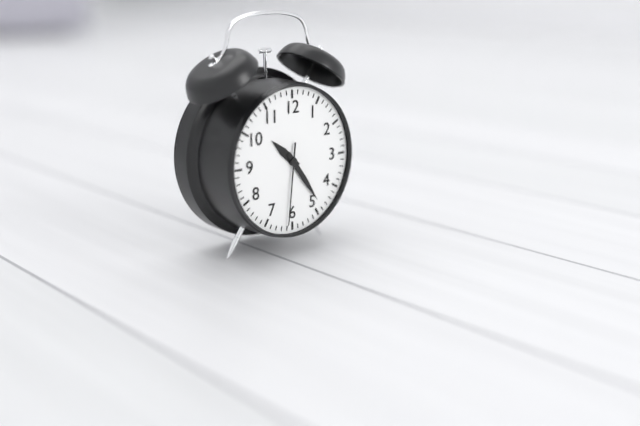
10:24:31
